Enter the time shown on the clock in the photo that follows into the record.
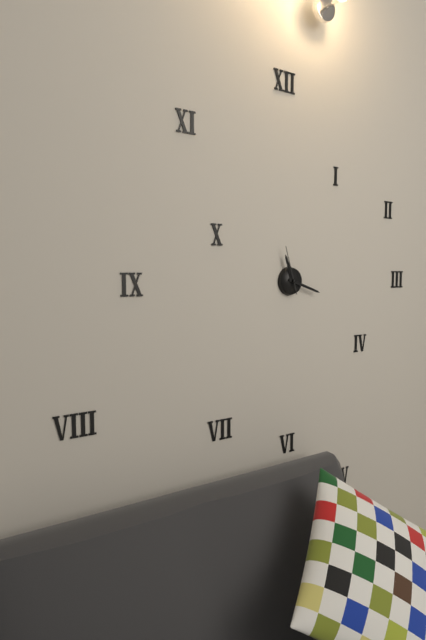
11:18
